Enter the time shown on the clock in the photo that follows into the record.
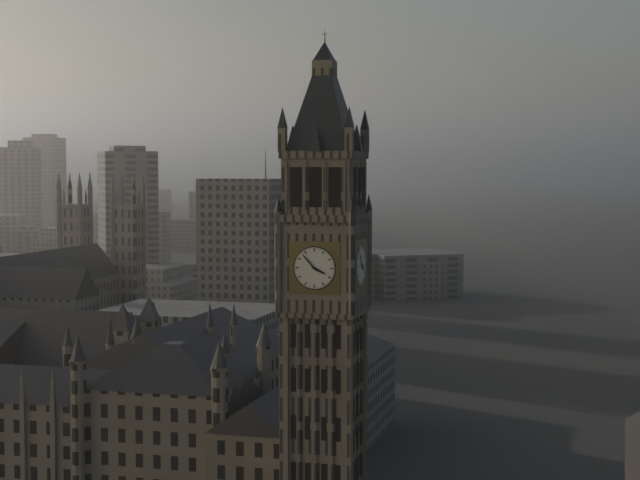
3:53
